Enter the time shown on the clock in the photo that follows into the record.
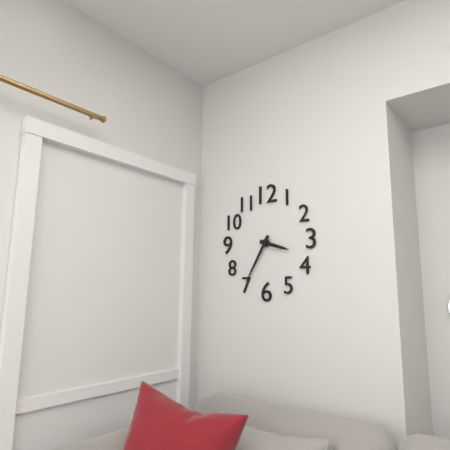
3:35
